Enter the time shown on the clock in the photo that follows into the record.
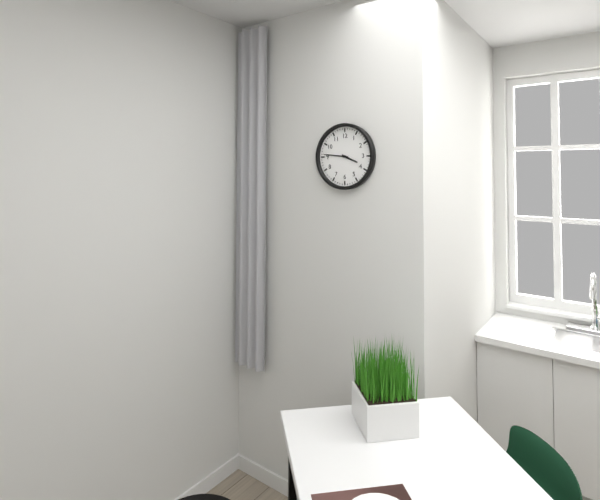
3:46
